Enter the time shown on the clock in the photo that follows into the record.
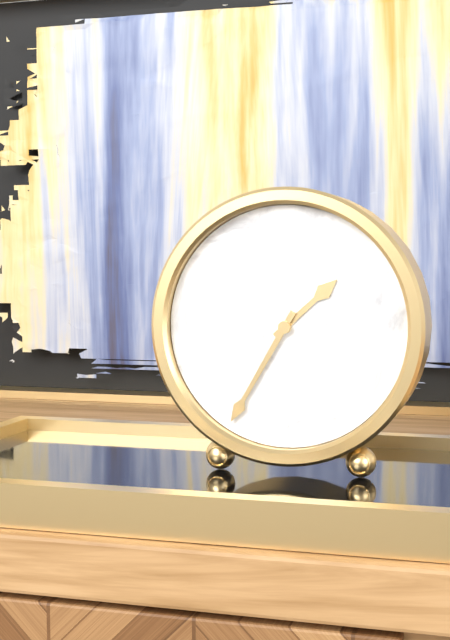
1:35
